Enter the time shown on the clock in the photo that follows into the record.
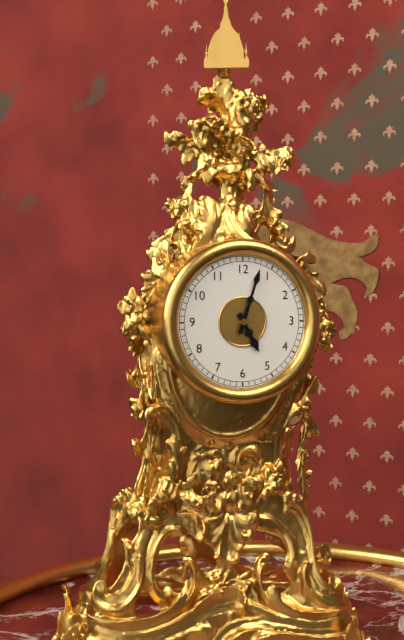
5:03
